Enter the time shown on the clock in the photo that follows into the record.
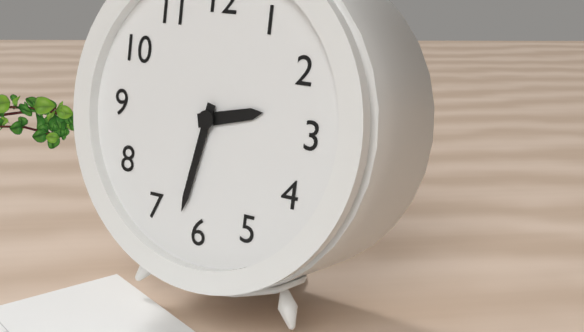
2:32
